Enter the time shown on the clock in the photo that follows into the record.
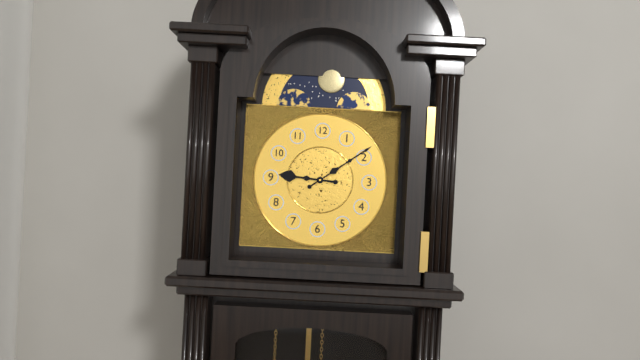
9:09
